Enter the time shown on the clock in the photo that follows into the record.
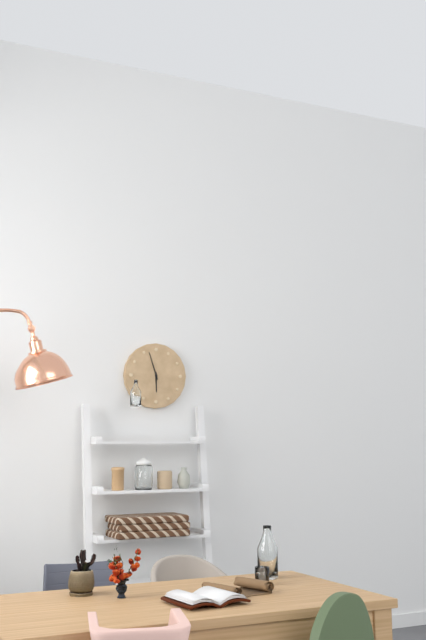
5:57
